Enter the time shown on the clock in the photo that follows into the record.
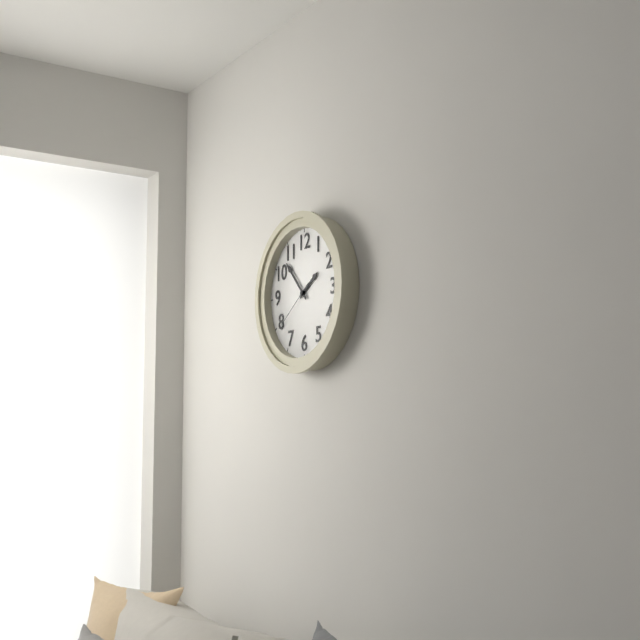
1:53:39
